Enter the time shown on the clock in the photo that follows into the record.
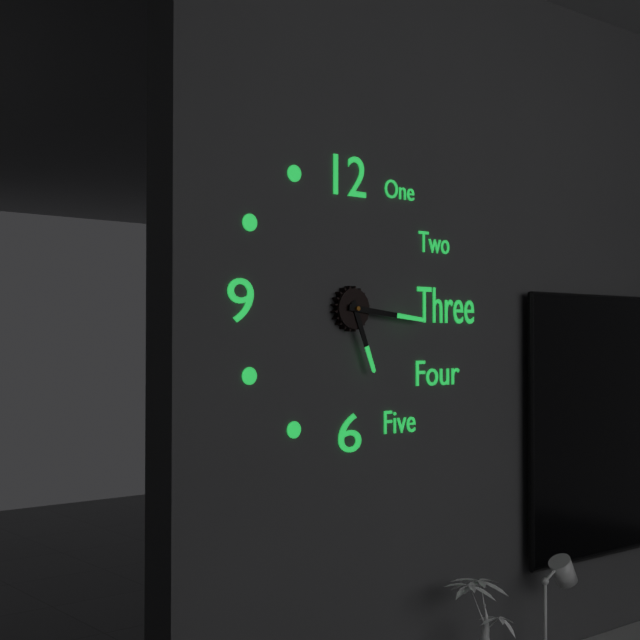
5:16
